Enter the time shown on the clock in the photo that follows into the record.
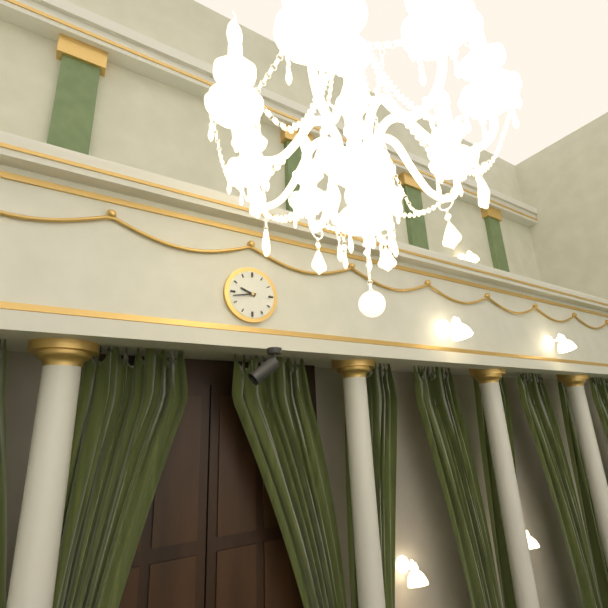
9:43
